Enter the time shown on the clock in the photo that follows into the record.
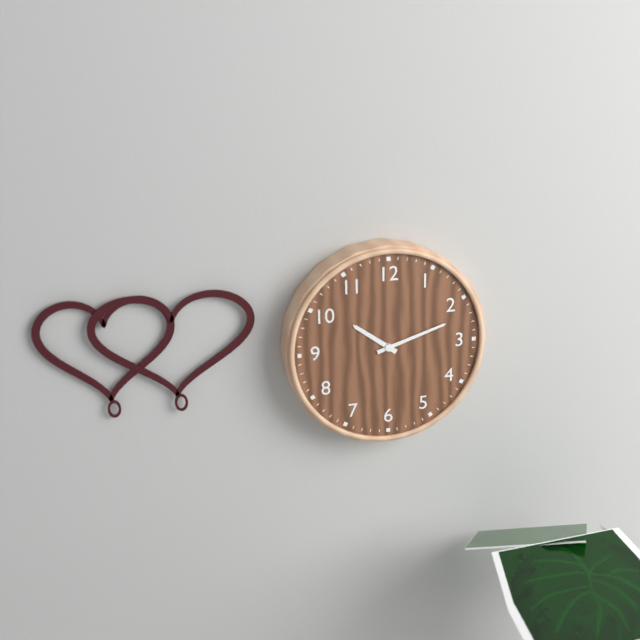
10:12
